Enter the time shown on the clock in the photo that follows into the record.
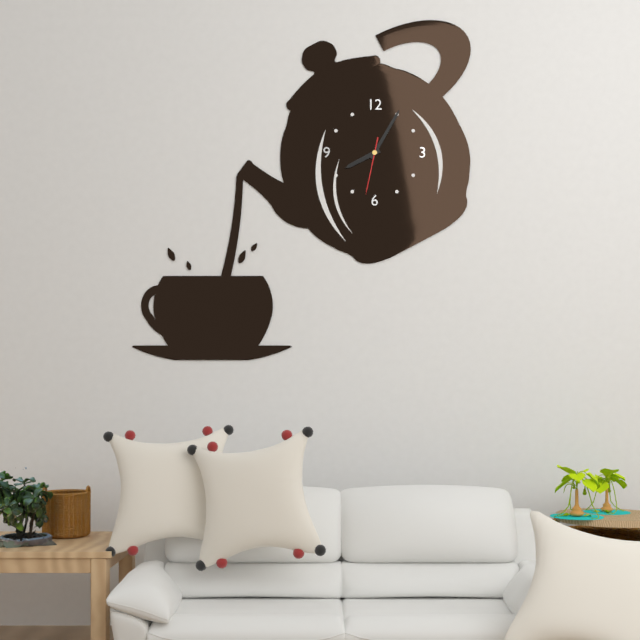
8:05:32
